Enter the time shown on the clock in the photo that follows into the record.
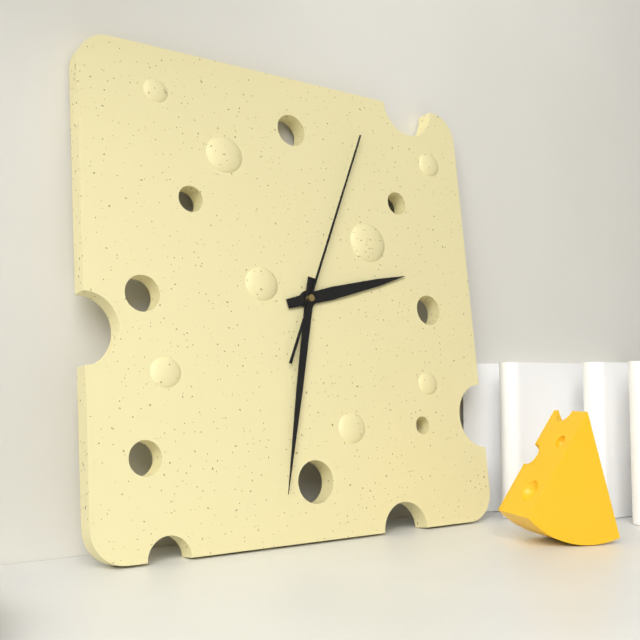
2:32:04
